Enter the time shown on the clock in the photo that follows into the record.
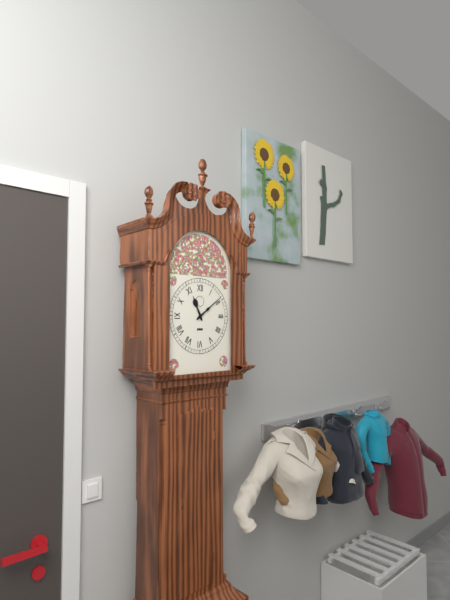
11:09
